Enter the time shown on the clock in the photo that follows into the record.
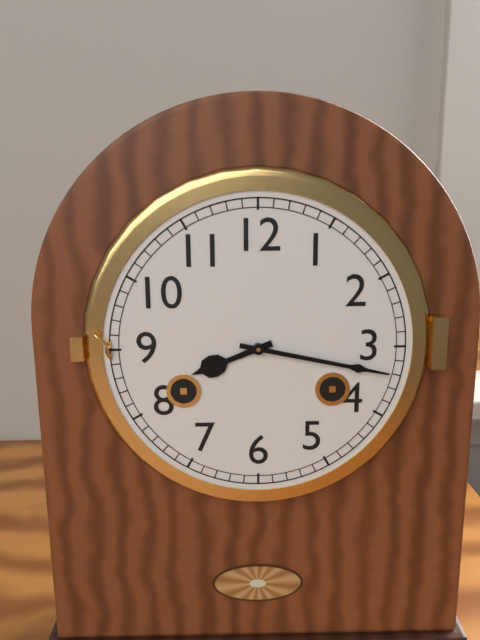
8:17
